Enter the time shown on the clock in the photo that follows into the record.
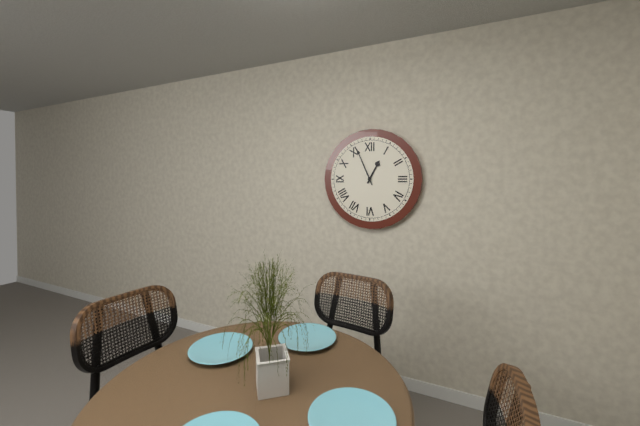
12:56
